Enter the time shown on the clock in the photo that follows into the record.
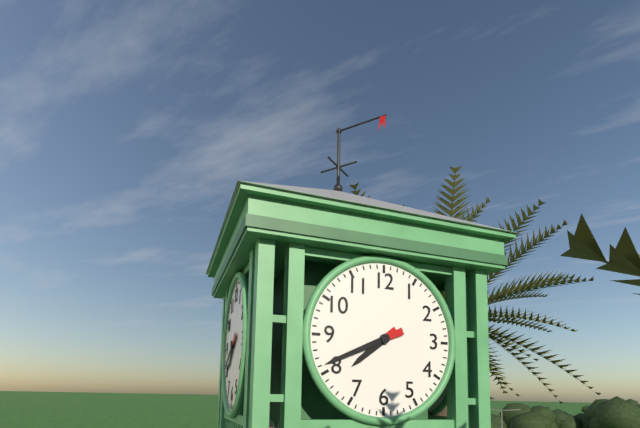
7:41
